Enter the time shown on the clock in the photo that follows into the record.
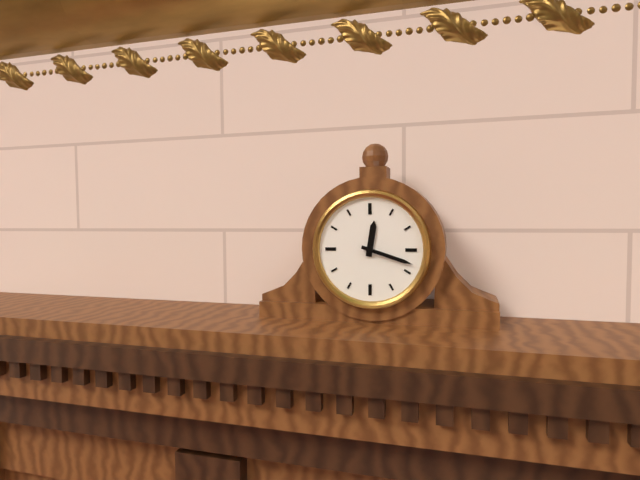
12:18
